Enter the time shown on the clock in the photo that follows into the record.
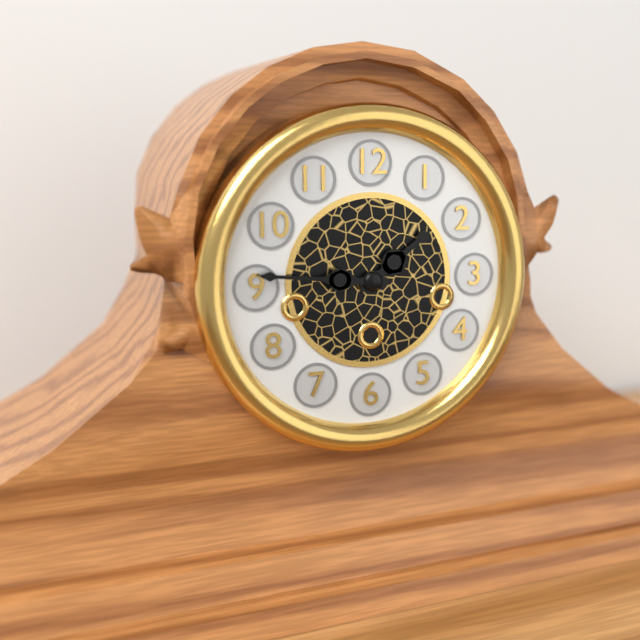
1:46
